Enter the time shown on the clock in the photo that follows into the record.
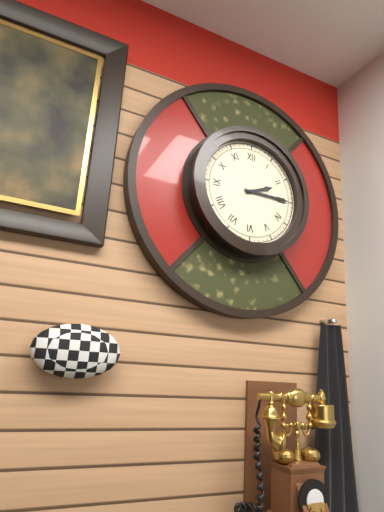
2:15
